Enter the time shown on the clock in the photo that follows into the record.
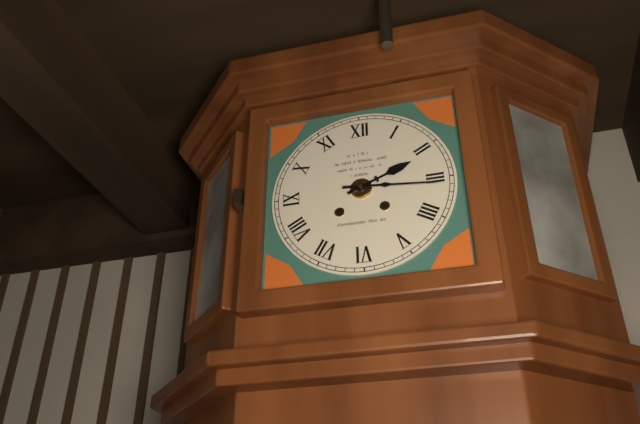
2:16
